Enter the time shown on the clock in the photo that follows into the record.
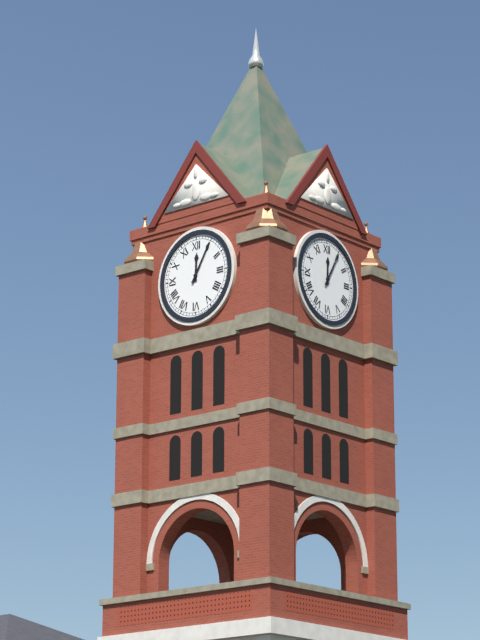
12:05
